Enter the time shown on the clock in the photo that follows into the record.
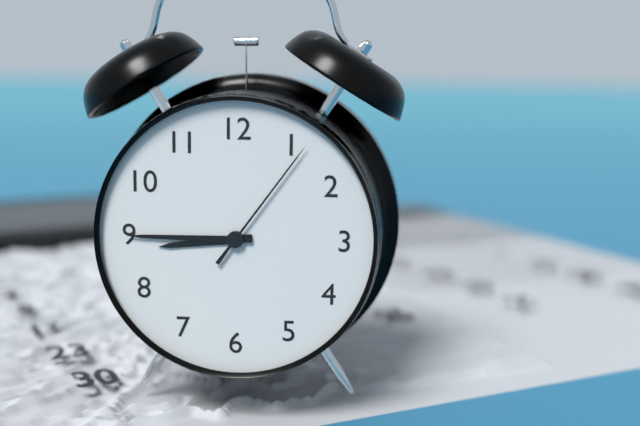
8:45:06
